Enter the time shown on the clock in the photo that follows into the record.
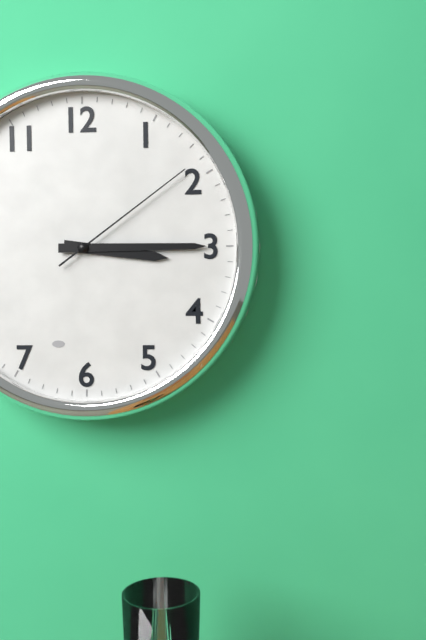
3:15:09
